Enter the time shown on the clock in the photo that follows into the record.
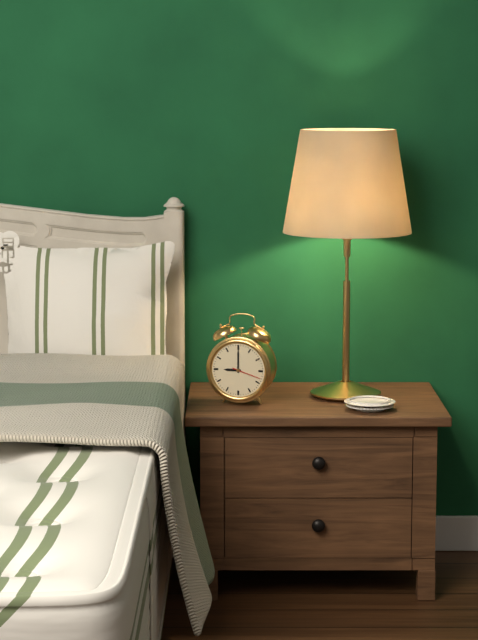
9:00
